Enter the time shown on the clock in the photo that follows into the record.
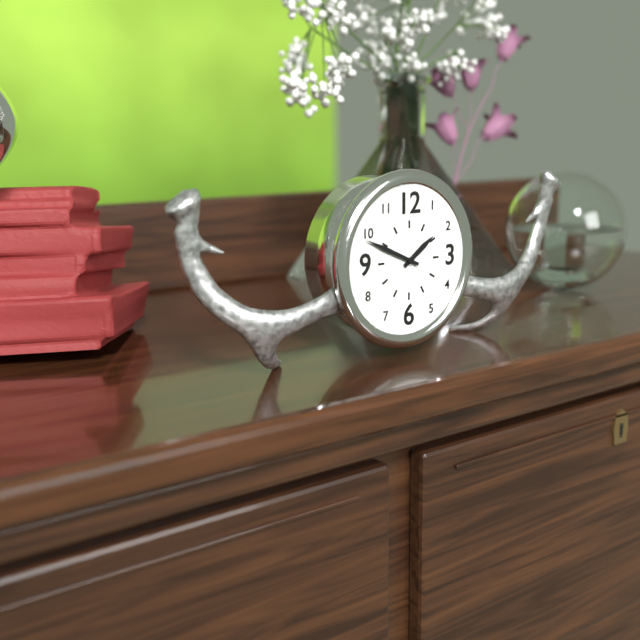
1:49
